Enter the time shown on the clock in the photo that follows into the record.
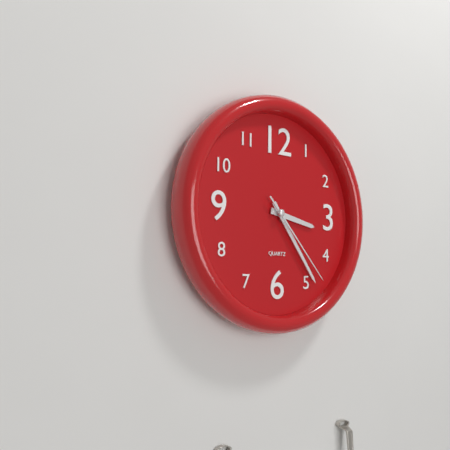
3:24:23
